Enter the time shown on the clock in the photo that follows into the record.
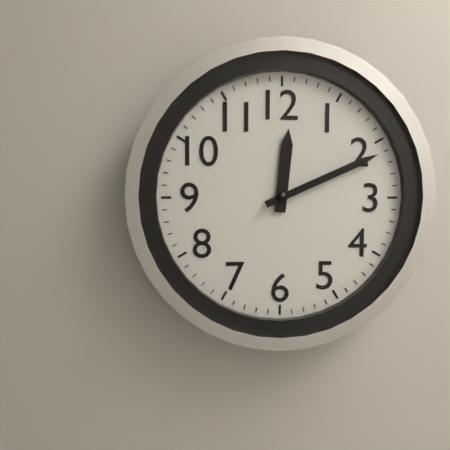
12:11
